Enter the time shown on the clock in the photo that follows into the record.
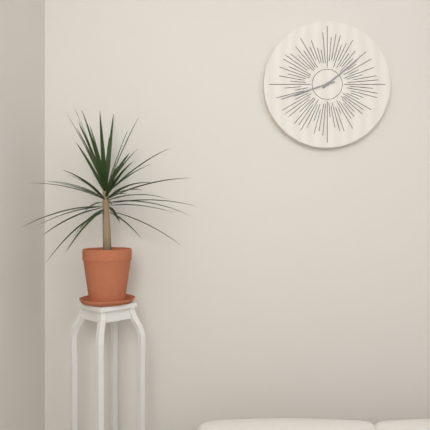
1:42
